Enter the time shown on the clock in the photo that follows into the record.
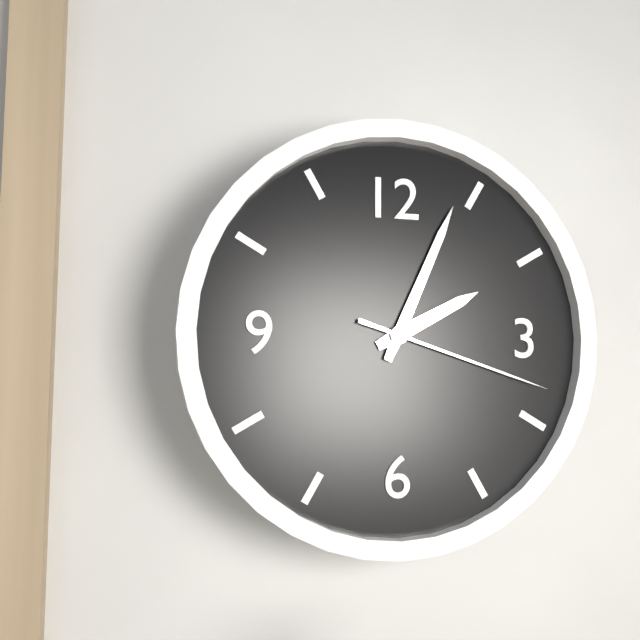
2:04:18
